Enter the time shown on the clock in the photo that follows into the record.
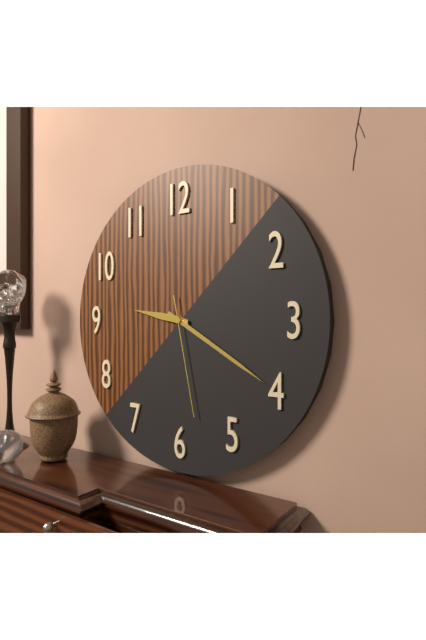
9:20:28
